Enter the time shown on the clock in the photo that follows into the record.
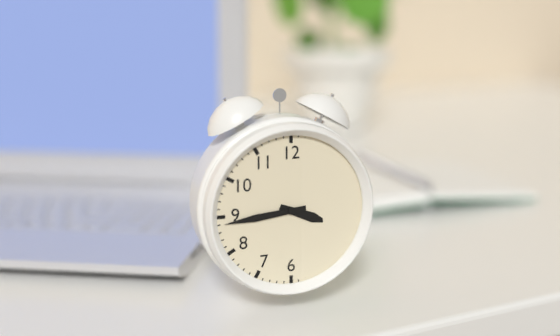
3:44
